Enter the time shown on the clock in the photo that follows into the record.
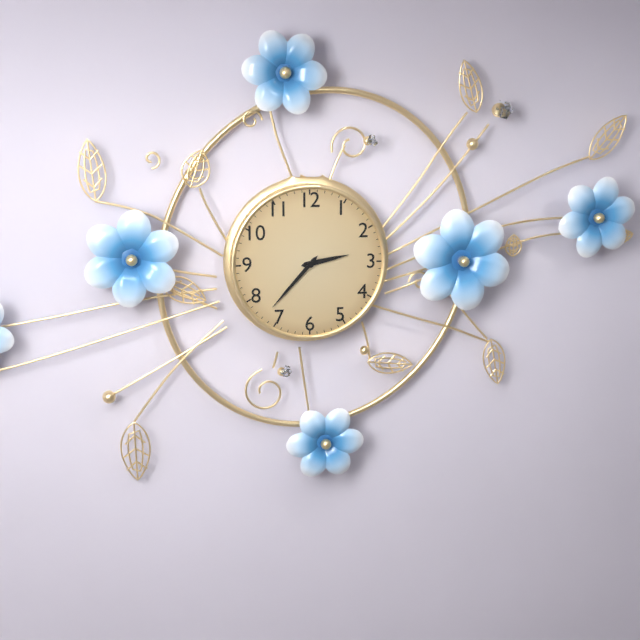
2:37
